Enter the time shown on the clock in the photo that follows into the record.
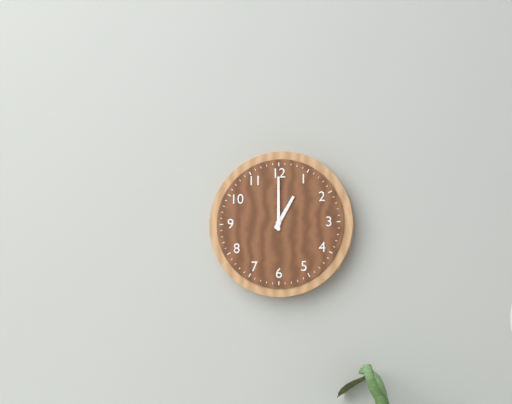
1:00
